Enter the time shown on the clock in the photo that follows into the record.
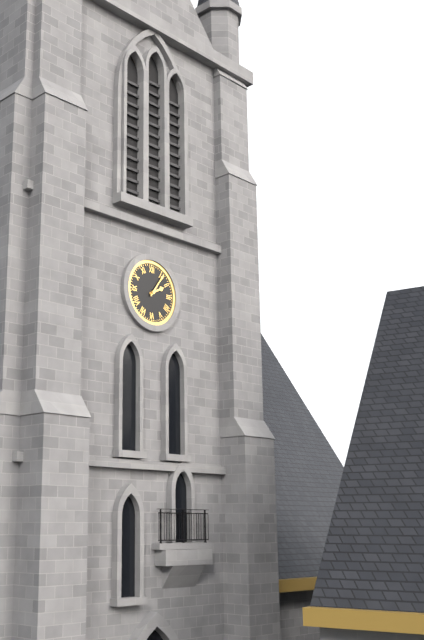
2:06
